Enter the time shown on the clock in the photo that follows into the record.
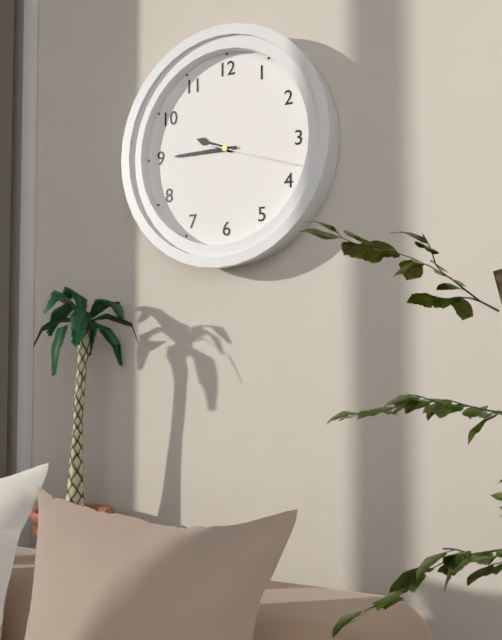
9:45:18
